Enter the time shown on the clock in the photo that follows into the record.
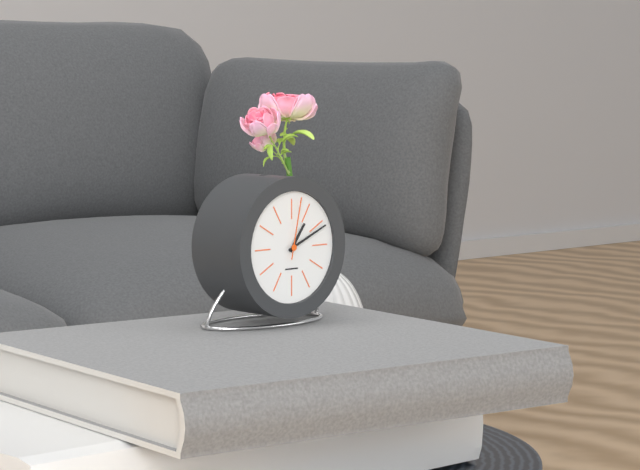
1:11:02
